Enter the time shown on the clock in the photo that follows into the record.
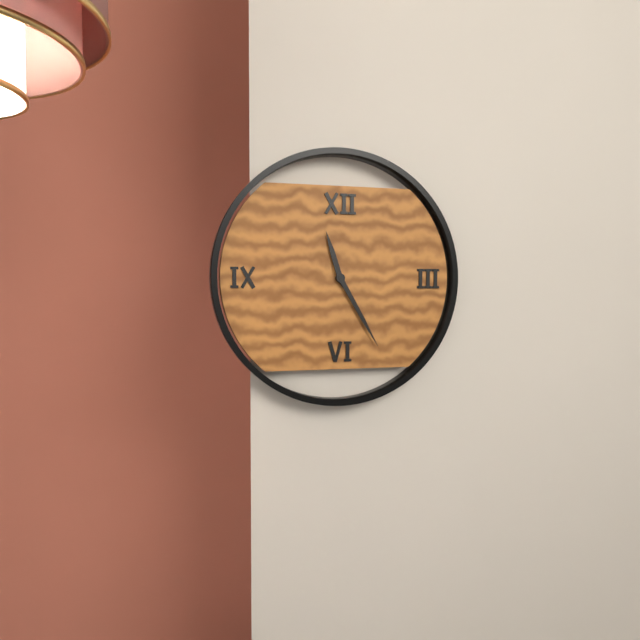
11:25
